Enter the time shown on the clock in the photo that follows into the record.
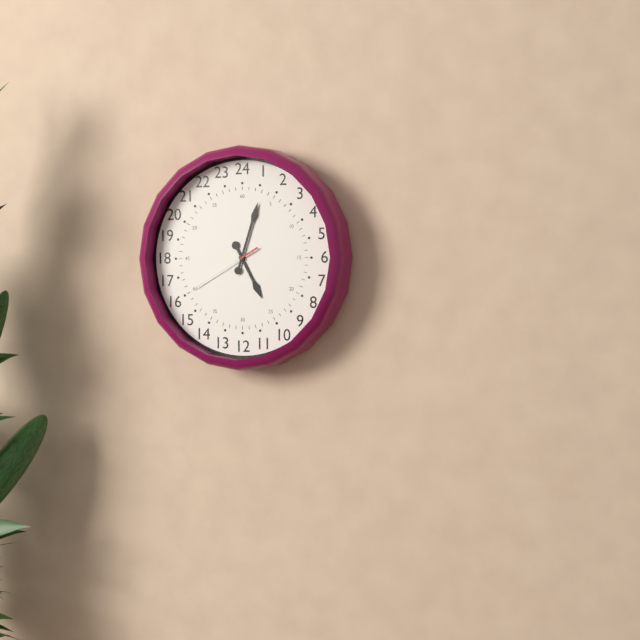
5:03:40
